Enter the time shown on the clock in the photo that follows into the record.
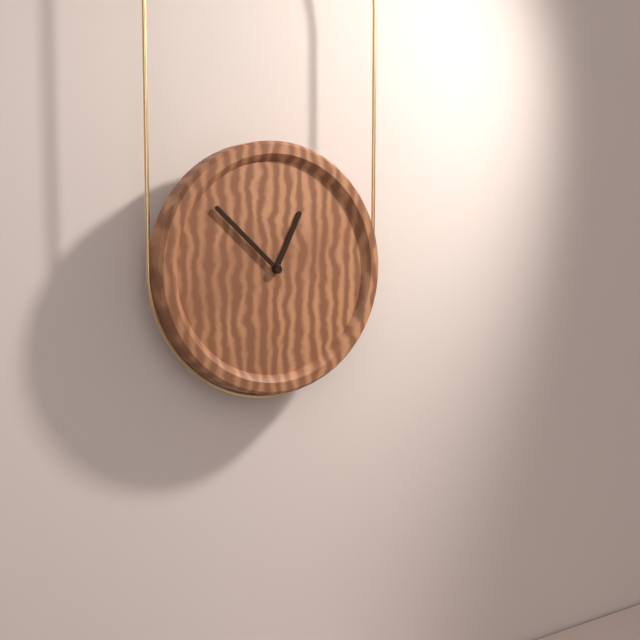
12:52
